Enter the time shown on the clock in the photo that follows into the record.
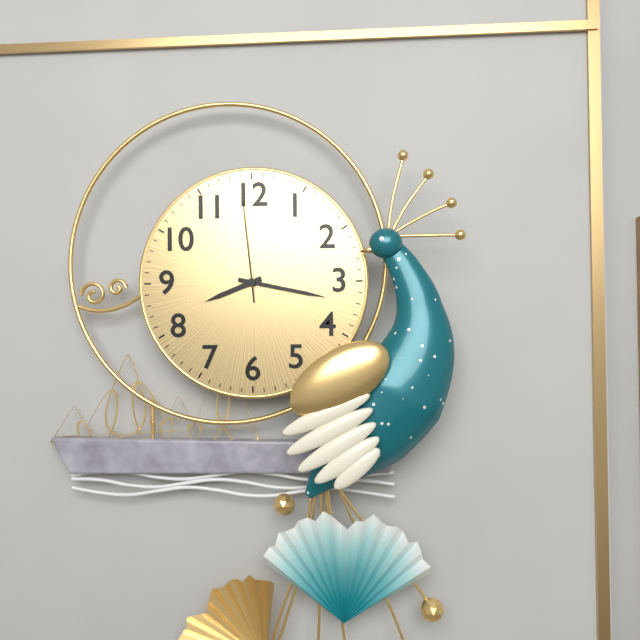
8:17:59
